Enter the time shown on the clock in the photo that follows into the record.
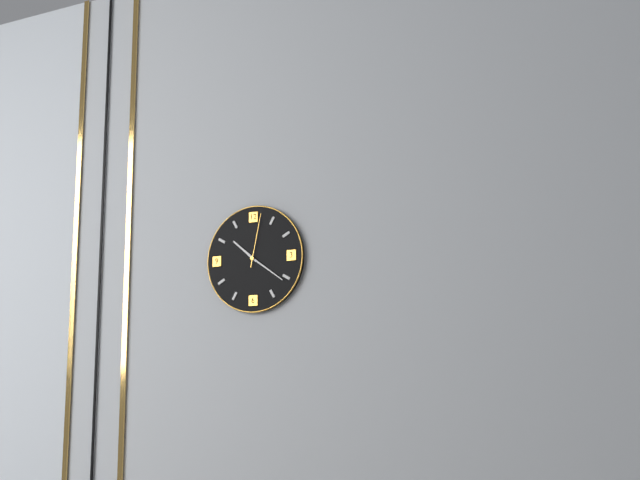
10:21:02
